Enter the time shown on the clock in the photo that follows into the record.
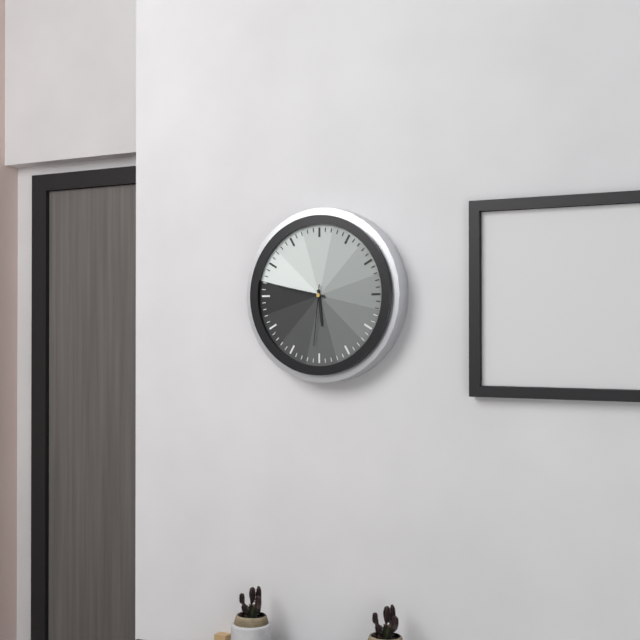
5:47:31
